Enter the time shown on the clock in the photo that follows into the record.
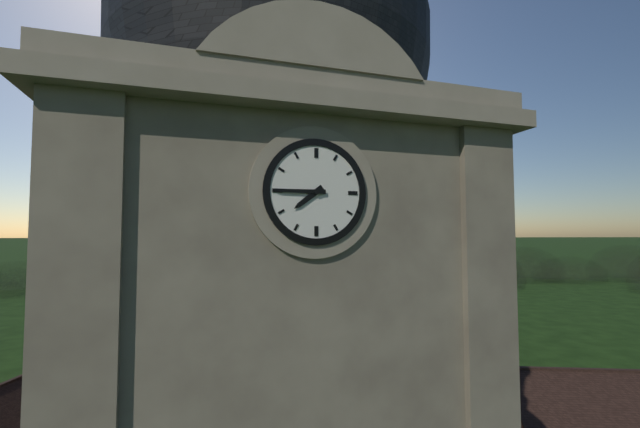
7:45
